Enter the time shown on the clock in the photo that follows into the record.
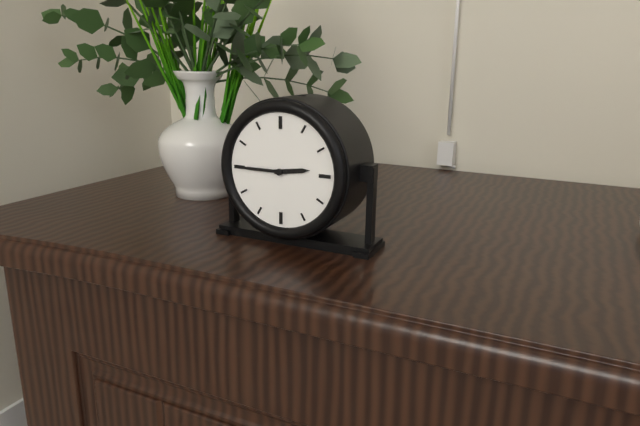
2:45
